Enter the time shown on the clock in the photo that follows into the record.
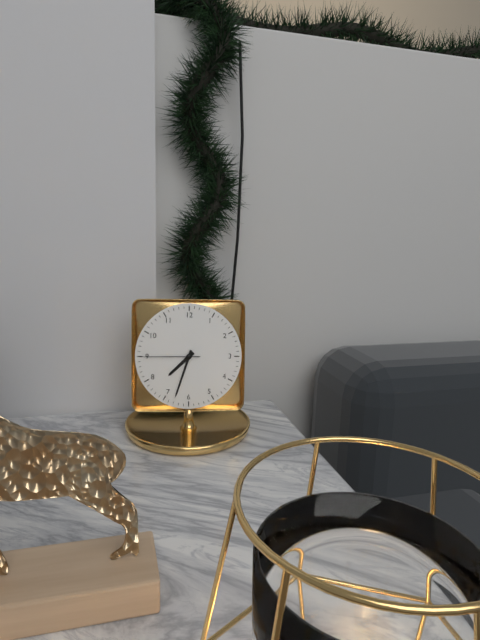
7:33:45
